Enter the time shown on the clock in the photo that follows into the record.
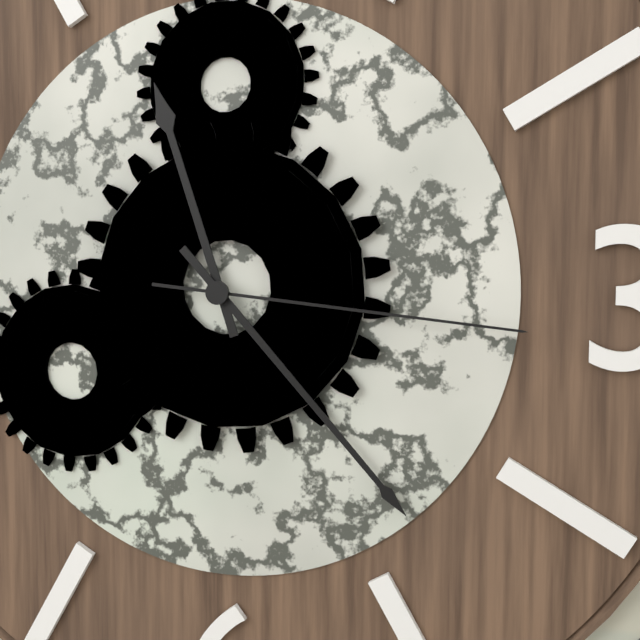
11:23:16
